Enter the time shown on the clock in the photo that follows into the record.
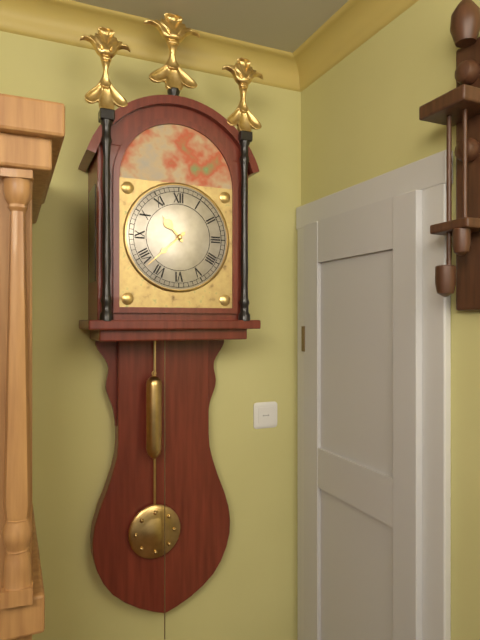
10:38
